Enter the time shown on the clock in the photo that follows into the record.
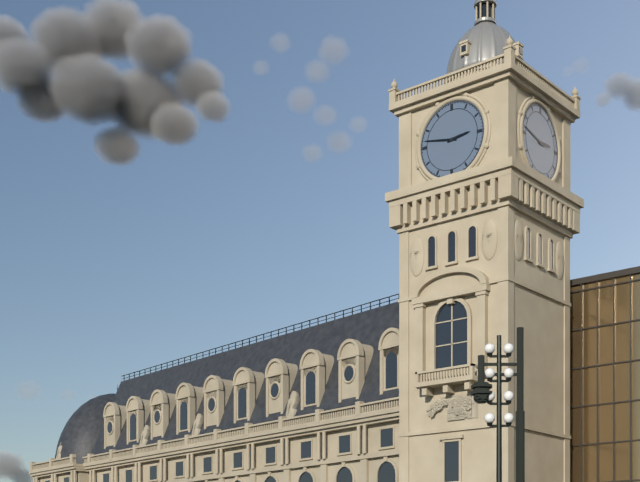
2:47
